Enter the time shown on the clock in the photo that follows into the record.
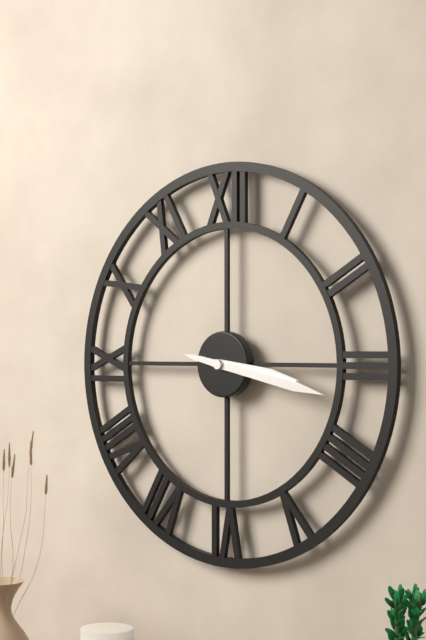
3:17
